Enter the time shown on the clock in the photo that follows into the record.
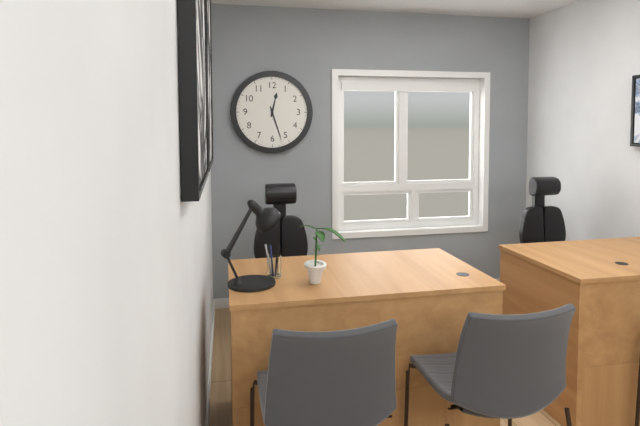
12:27
